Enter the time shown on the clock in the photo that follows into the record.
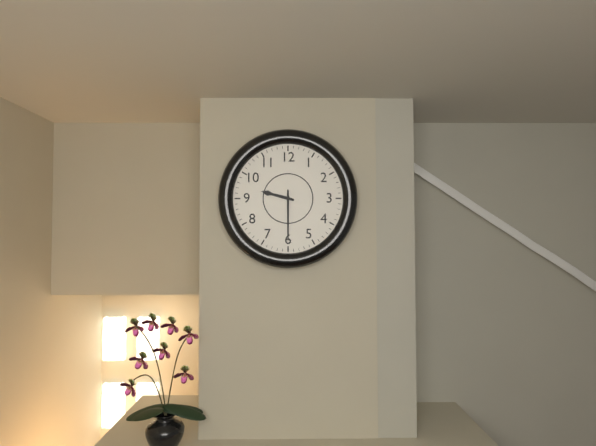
9:30
